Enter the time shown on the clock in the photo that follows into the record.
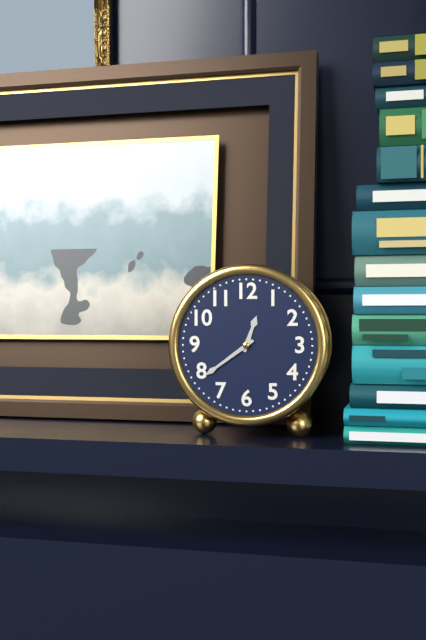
12:39
